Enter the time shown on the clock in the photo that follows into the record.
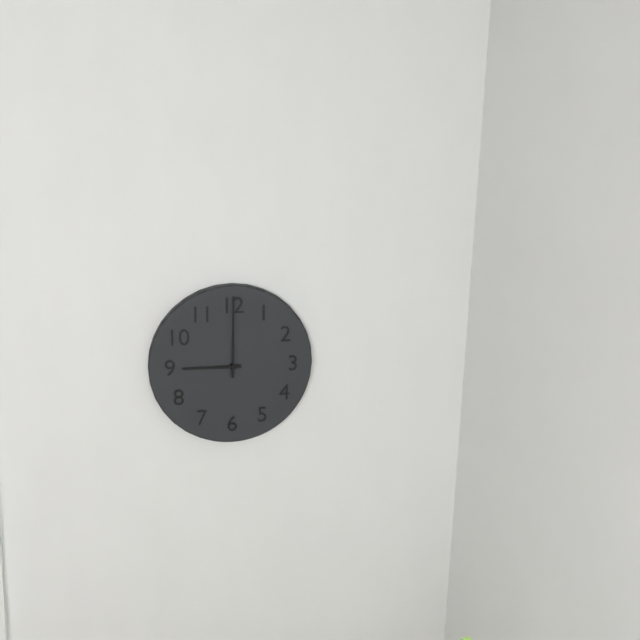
9:00
